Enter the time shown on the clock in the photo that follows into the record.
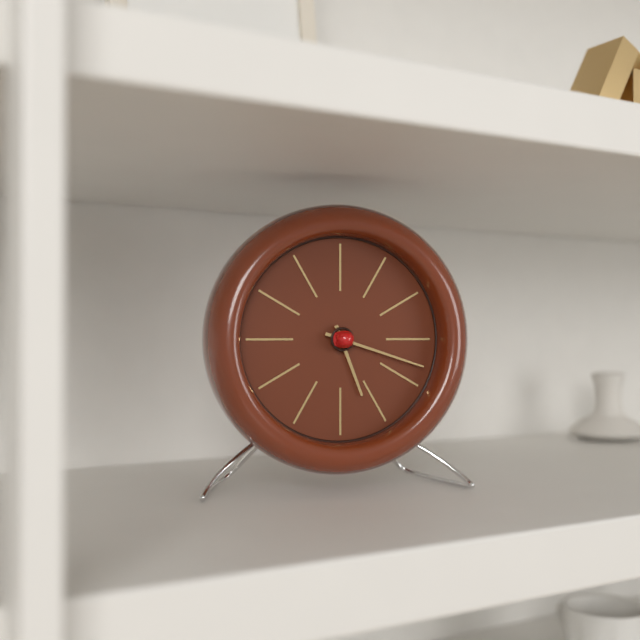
5:18
